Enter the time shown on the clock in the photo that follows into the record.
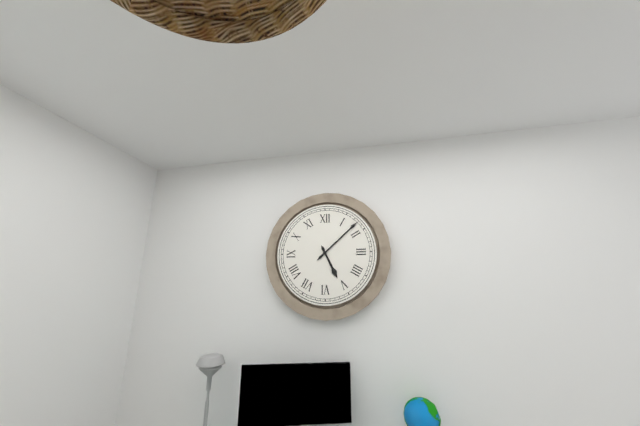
5:08
